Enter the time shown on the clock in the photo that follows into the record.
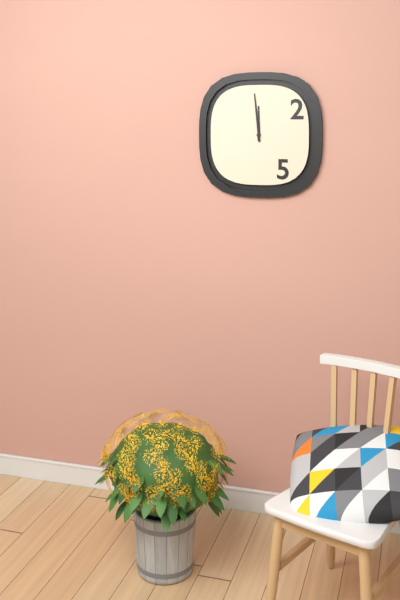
11:59
